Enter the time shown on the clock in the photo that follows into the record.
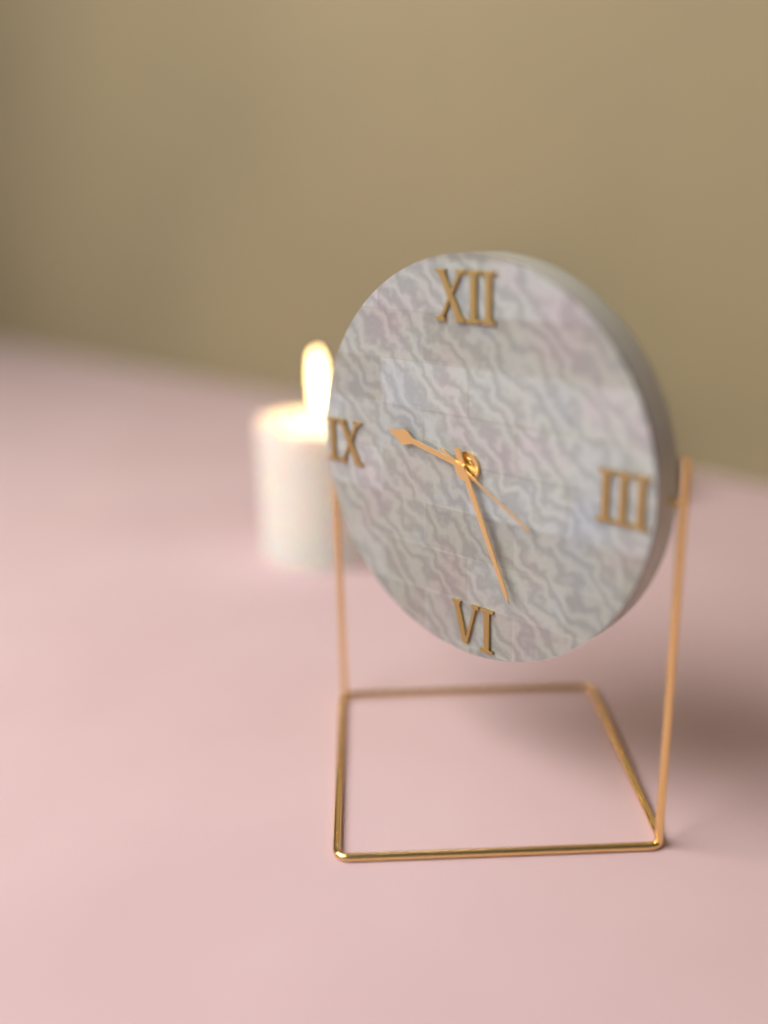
9:26:20
